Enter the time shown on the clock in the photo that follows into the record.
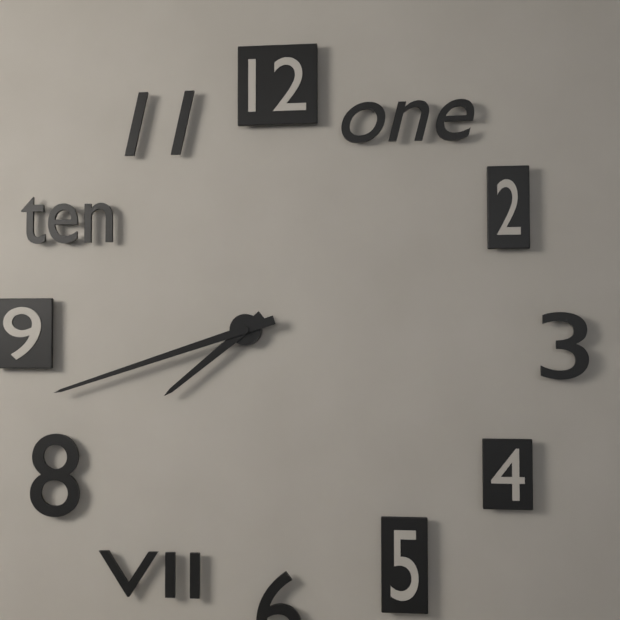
7:42
